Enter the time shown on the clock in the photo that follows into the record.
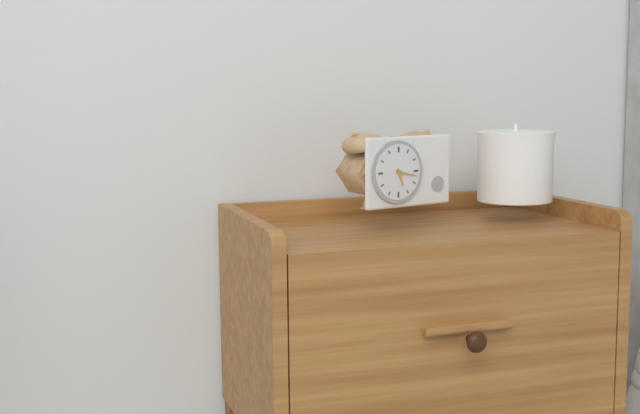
5:17
